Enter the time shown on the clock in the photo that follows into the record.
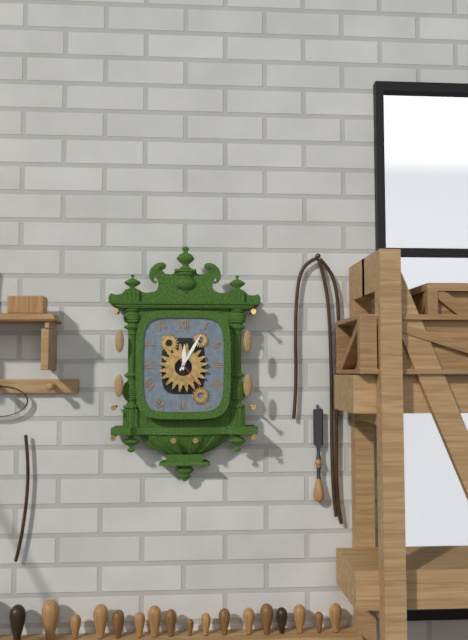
12:05
